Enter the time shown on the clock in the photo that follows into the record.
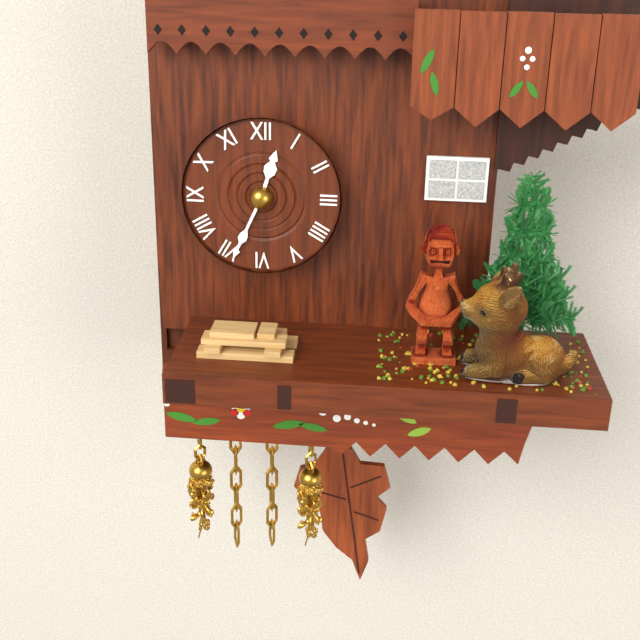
12:34
